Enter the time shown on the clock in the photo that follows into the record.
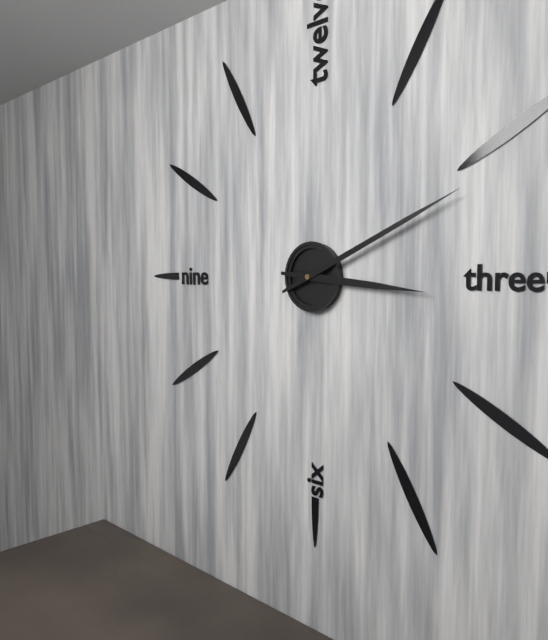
3:11
